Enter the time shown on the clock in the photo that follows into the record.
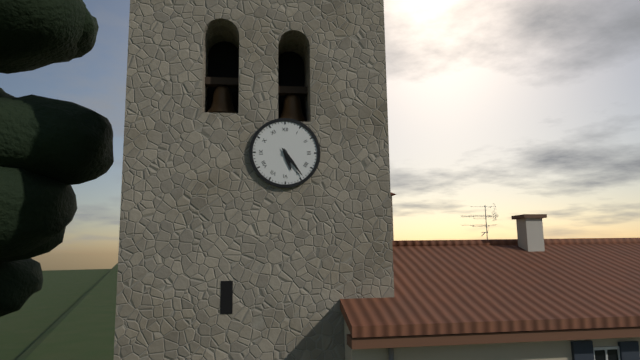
5:24
